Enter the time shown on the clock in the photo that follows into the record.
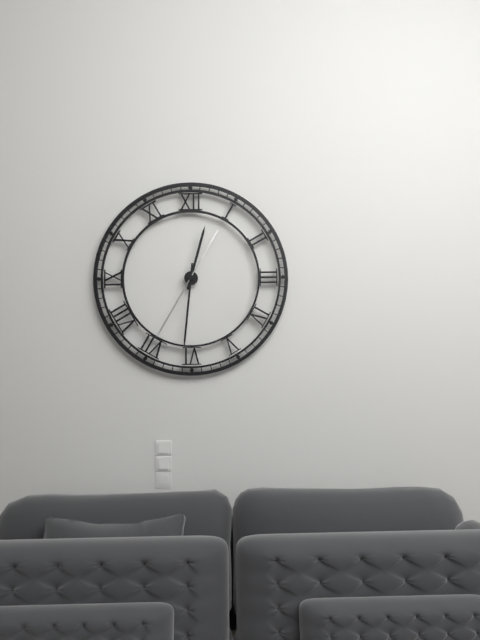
12:31:35
